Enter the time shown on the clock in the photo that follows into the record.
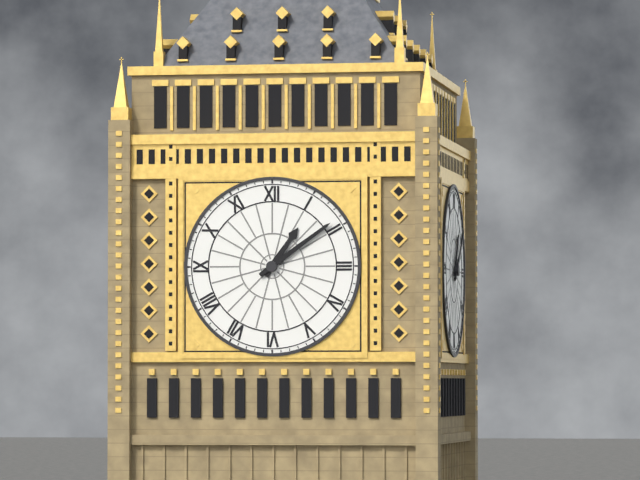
1:09
